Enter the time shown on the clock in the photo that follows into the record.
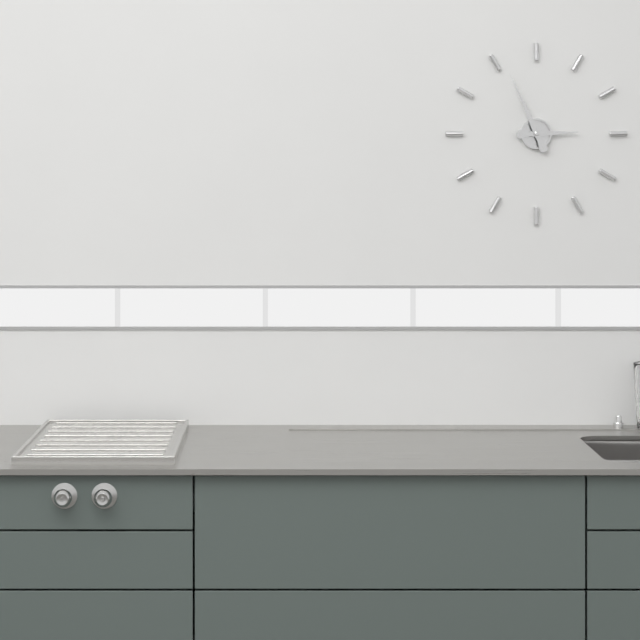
2:56
